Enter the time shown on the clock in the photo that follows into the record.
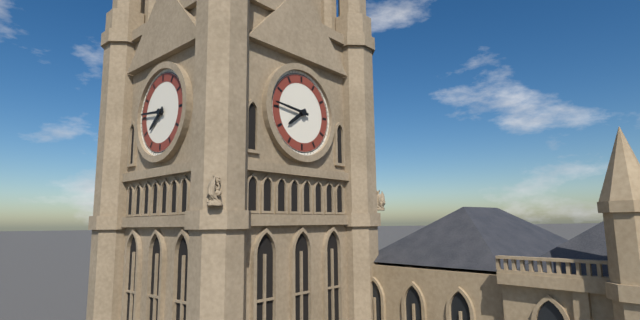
7:46
